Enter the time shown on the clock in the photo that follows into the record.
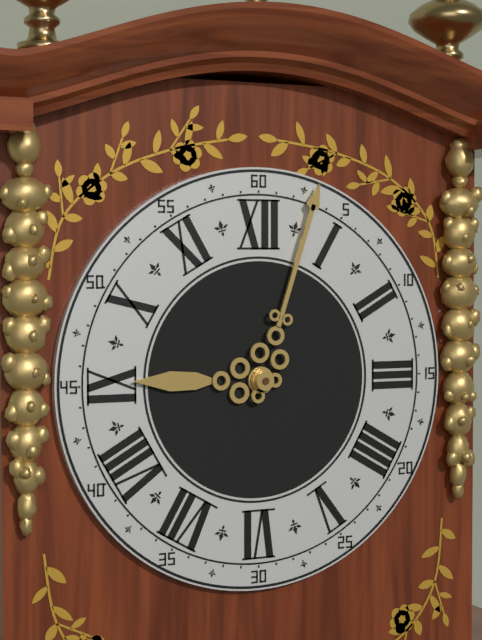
9:03
